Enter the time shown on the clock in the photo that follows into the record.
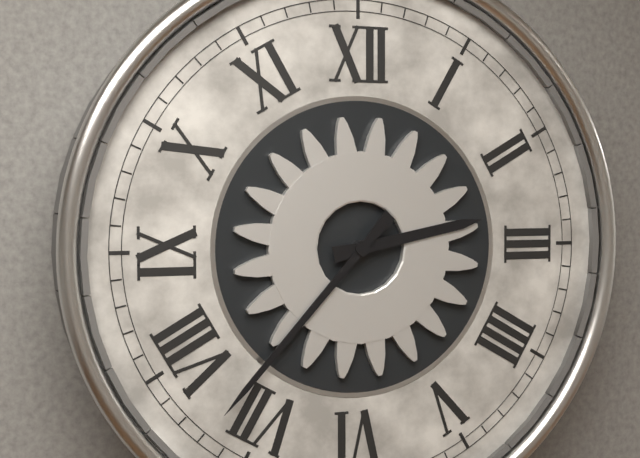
2:37
